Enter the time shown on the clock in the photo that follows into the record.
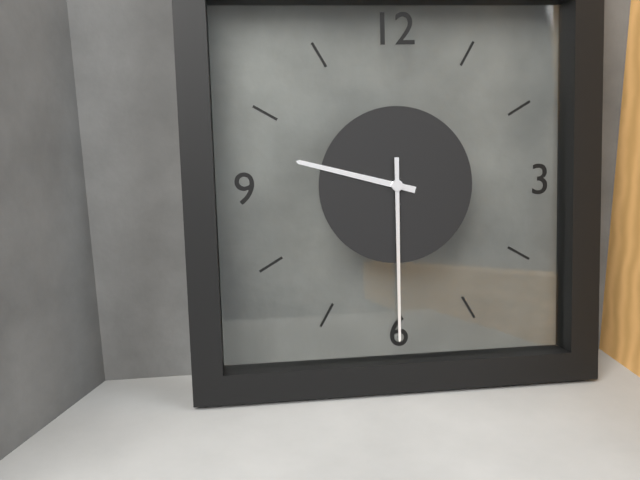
9:30
